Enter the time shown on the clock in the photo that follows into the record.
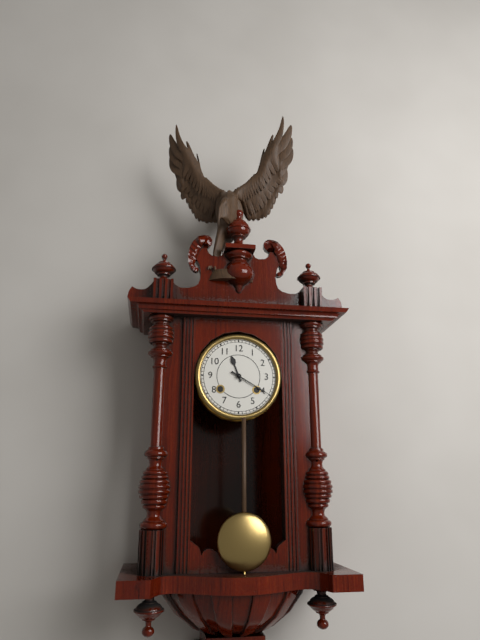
11:20
